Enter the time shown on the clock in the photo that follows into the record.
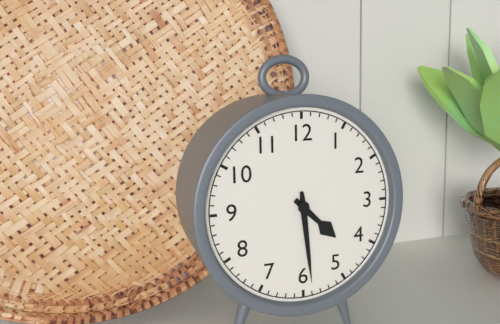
4:29
